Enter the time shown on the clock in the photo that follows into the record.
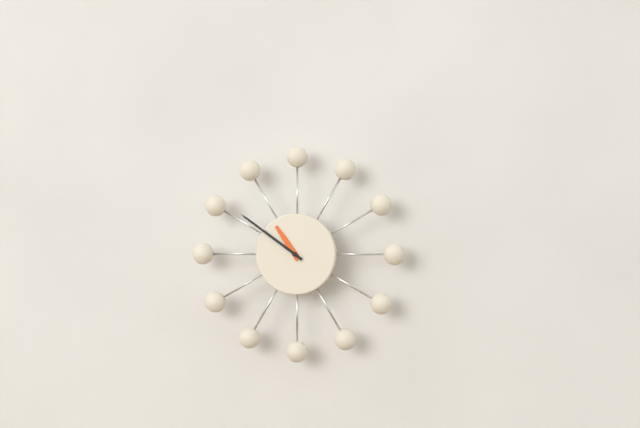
10:51
